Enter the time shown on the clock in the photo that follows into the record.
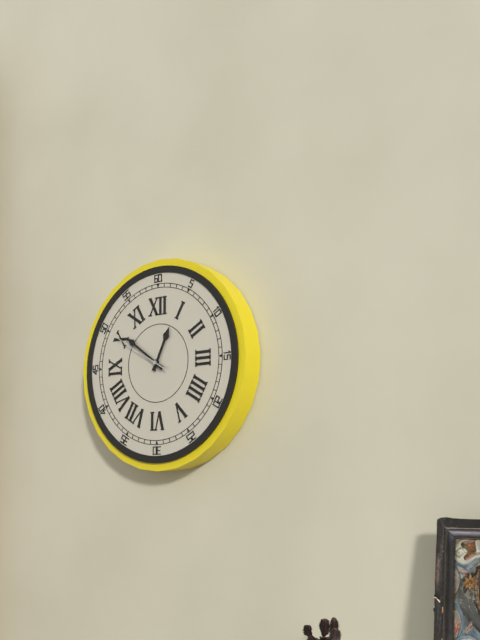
12:51:50
